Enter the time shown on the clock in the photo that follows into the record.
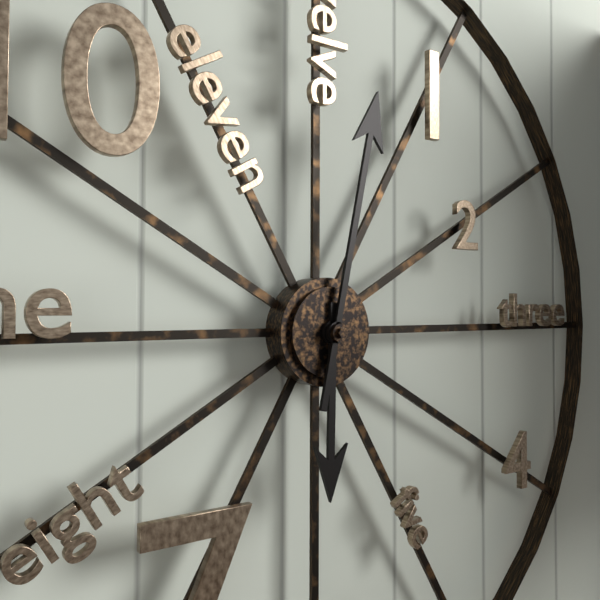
6:02
